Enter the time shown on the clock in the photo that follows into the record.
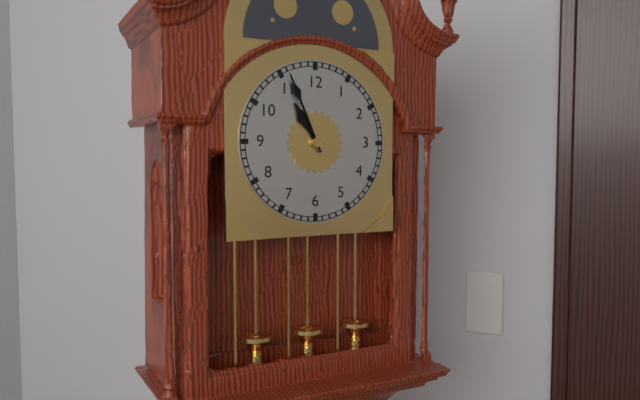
10:56
